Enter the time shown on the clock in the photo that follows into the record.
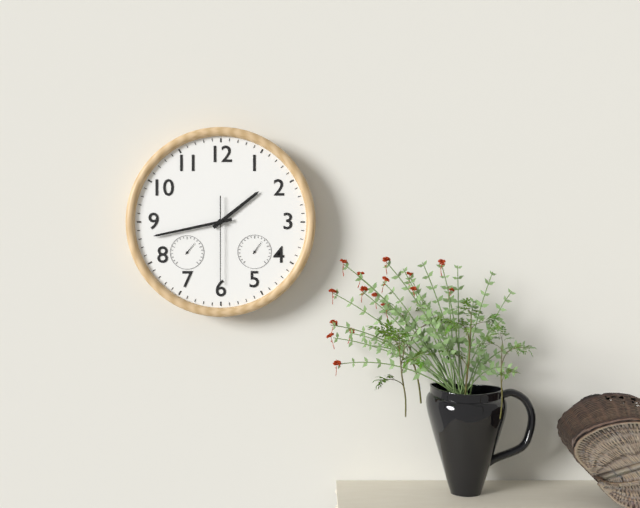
1:43:30
